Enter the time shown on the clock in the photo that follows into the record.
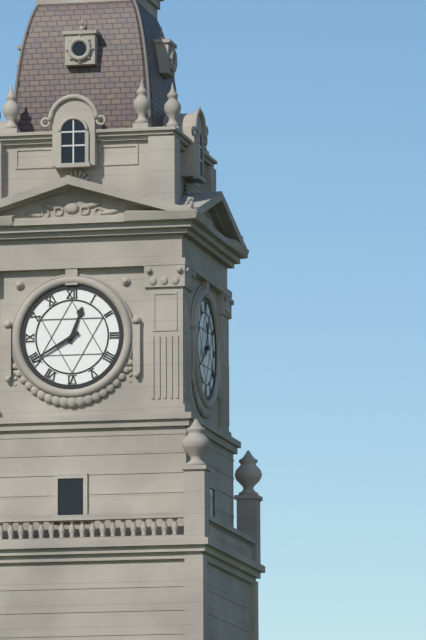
12:40
